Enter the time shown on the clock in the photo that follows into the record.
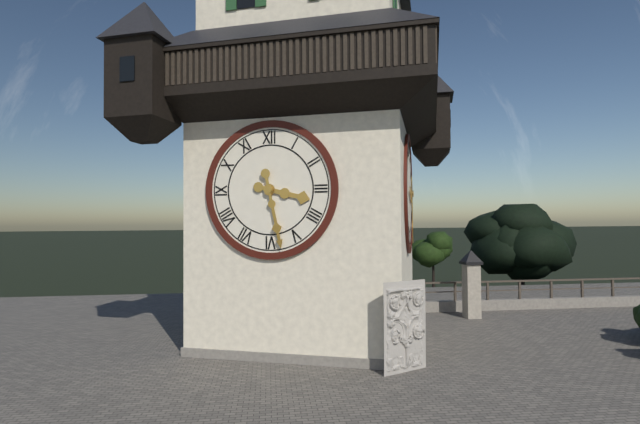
3:28
